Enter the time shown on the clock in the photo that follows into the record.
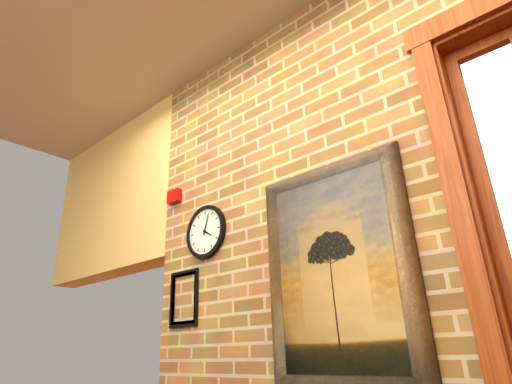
4:03
